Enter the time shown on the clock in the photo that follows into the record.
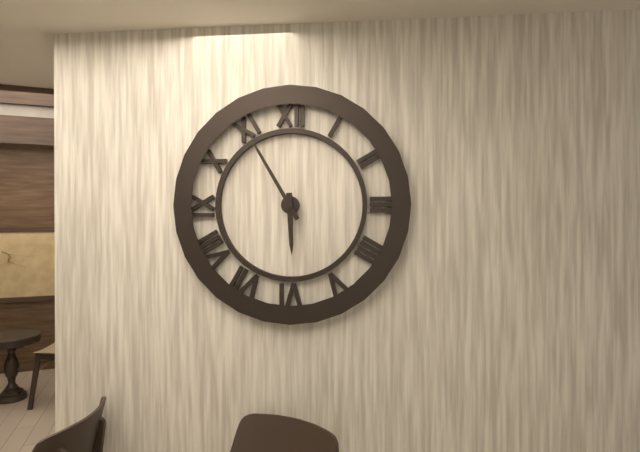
5:55
